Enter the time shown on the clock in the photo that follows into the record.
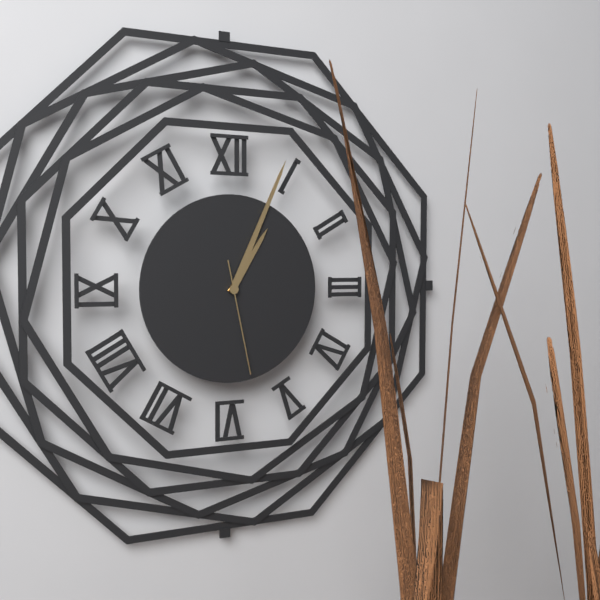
1:04:28
